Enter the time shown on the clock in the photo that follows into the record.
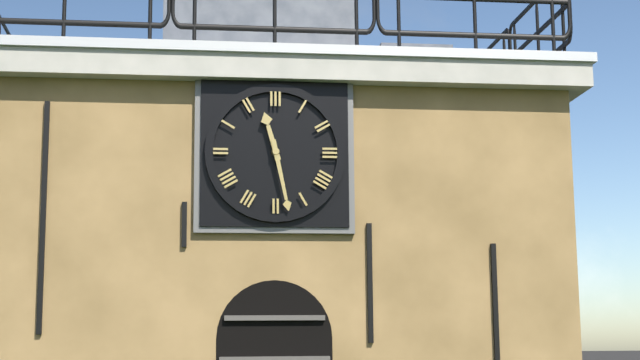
11:28
